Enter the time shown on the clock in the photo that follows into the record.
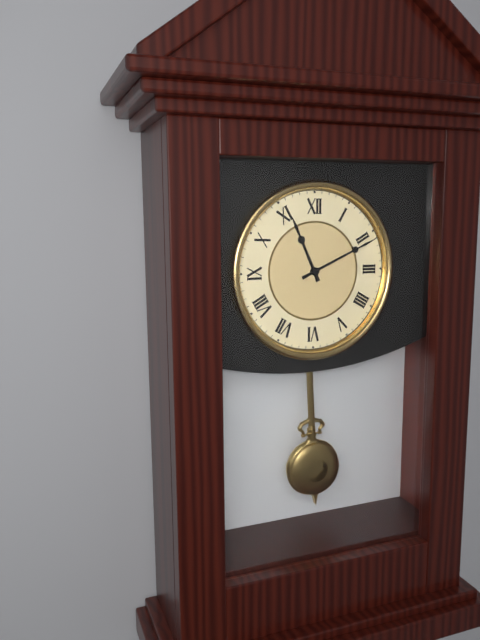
11:11
